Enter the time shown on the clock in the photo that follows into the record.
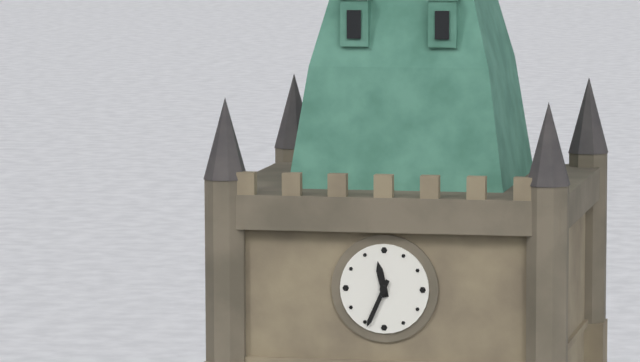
11:34
